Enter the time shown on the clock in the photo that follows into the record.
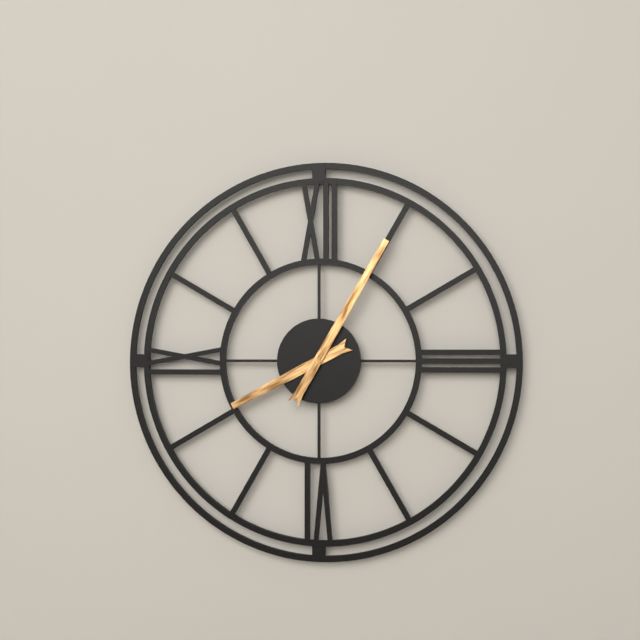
8:05
